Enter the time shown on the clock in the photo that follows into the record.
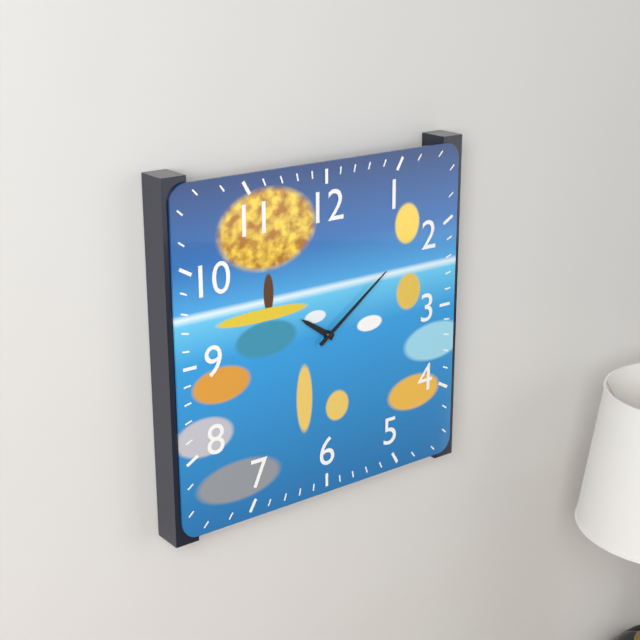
10:09
